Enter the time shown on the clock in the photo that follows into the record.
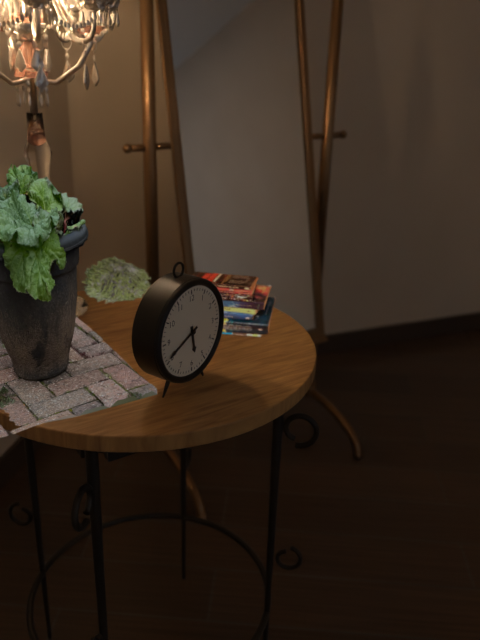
5:41
